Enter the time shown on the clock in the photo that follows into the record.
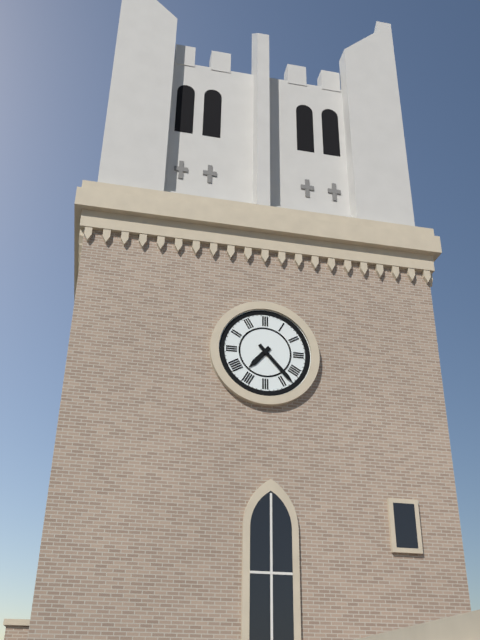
7:23
